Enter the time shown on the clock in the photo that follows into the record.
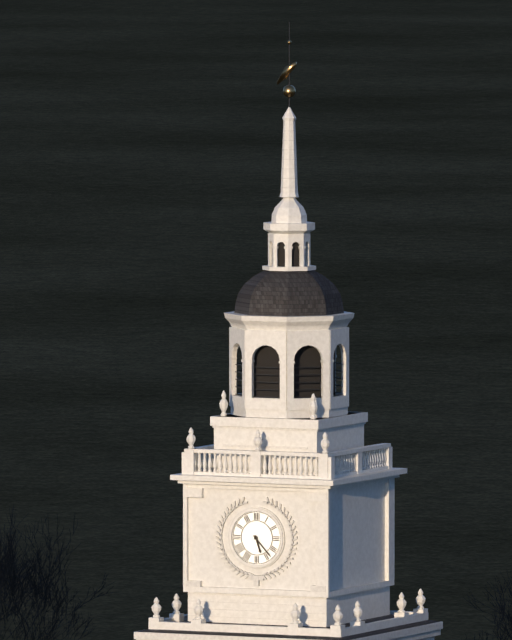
5:23
